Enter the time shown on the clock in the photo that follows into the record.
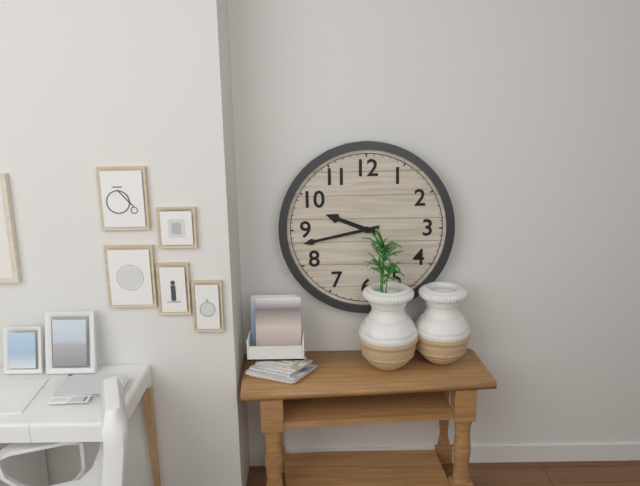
9:43
